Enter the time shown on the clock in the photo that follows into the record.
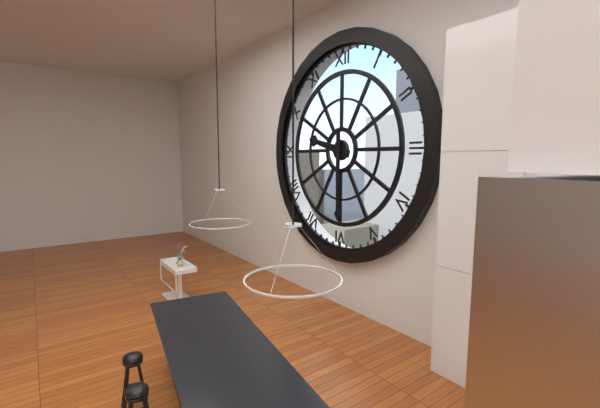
9:30
